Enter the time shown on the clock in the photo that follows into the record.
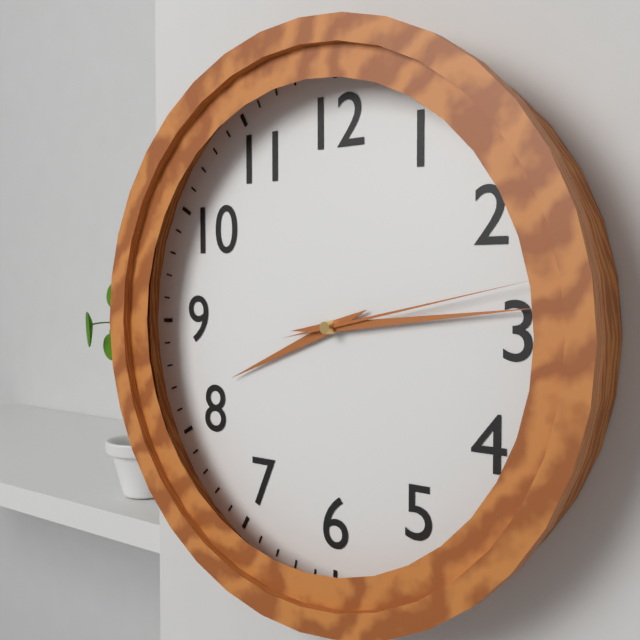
8:14:13
